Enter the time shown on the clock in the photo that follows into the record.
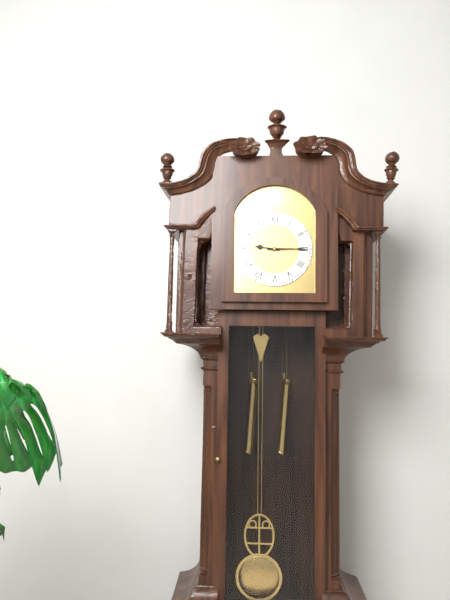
9:15
